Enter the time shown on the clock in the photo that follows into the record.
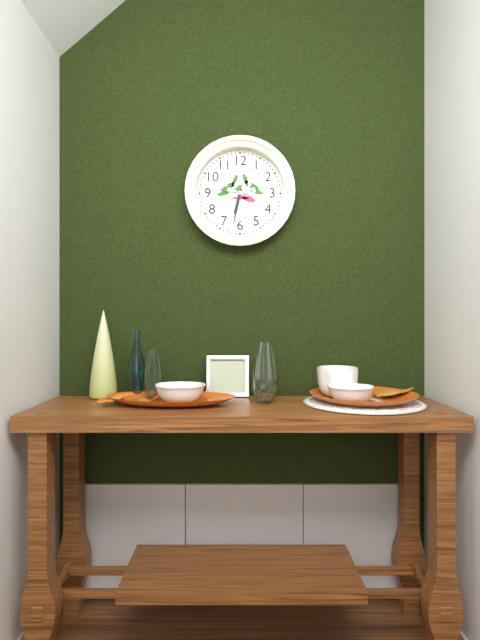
6:32
